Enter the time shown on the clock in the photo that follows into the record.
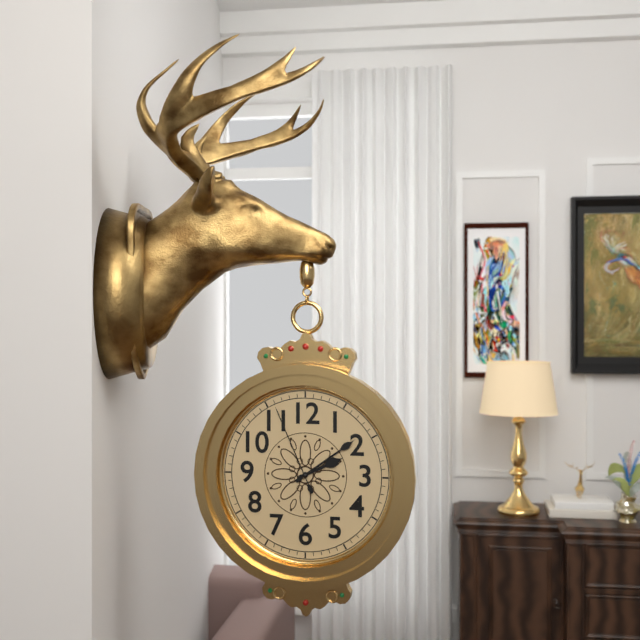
2:09:56
